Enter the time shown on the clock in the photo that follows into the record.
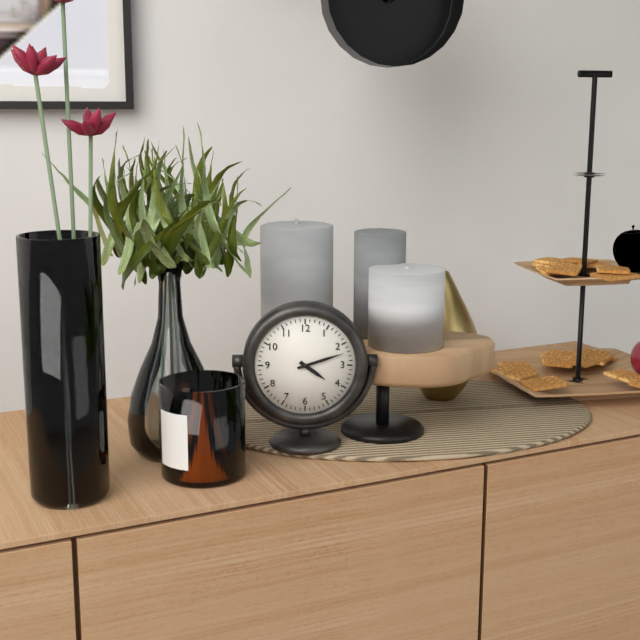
4:12
